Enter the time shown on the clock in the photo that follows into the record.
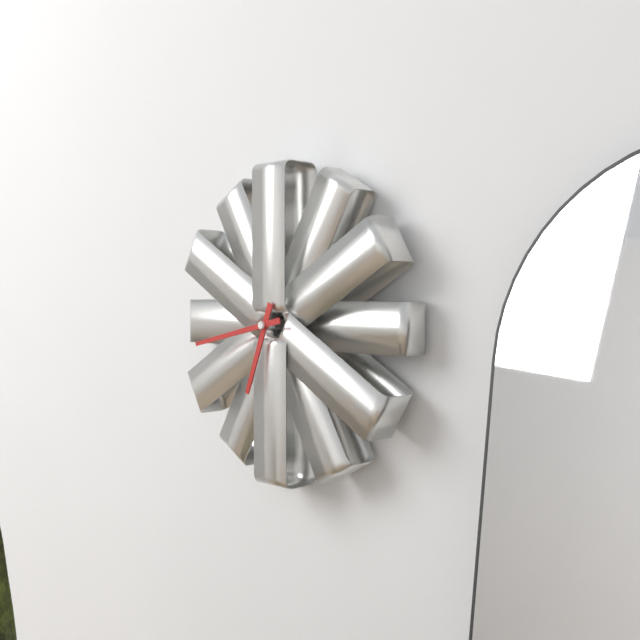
6:43
